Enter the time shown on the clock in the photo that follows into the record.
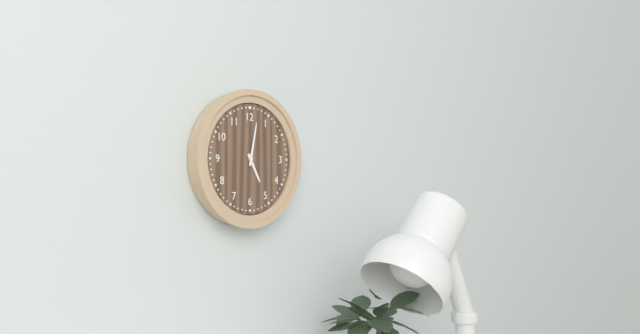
5:02
